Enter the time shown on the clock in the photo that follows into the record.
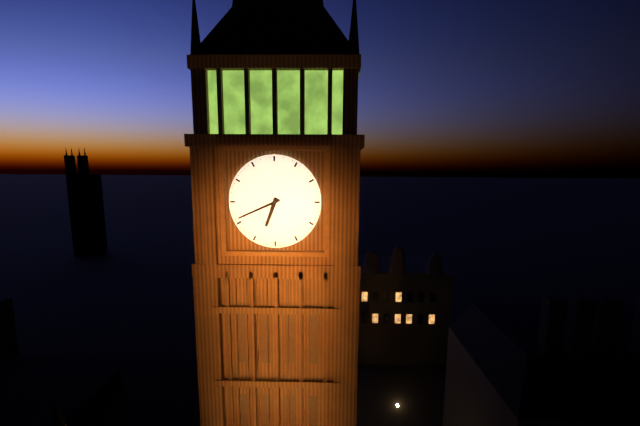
6:41
